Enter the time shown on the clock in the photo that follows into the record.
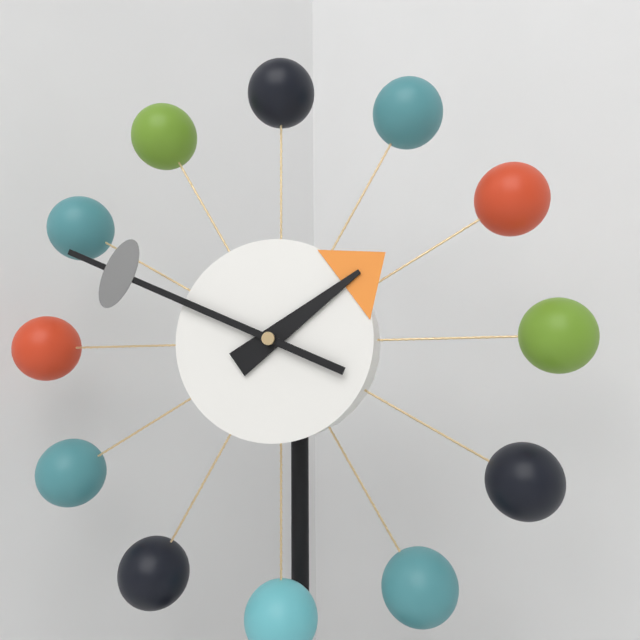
1:49
